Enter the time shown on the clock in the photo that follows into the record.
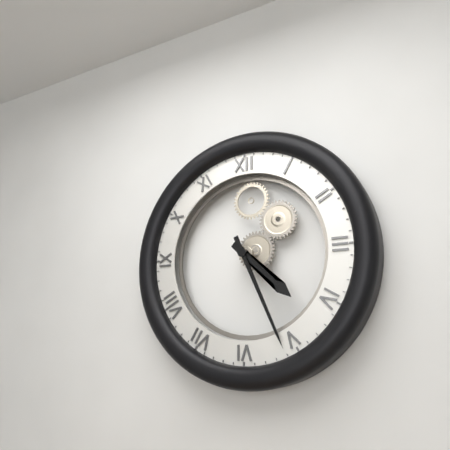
4:26
